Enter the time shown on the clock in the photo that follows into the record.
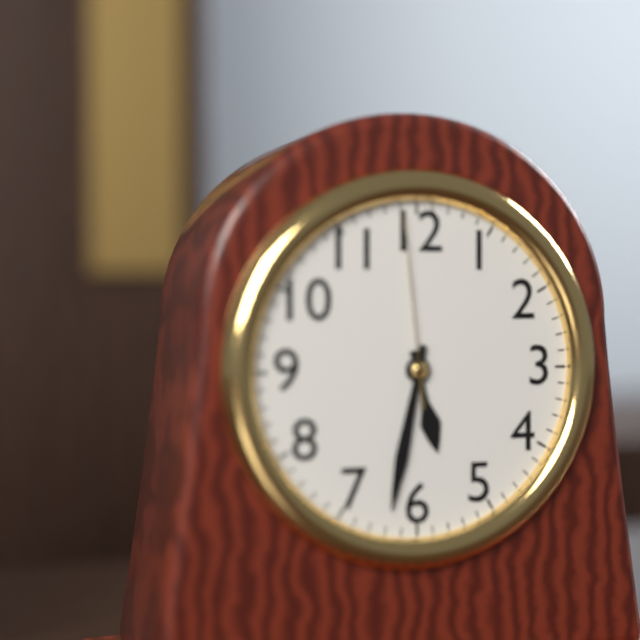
5:32:59
